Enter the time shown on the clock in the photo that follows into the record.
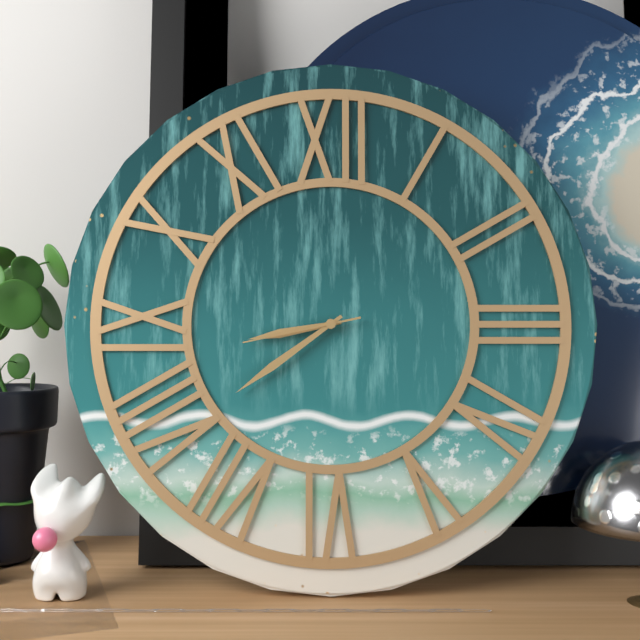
8:39:43
